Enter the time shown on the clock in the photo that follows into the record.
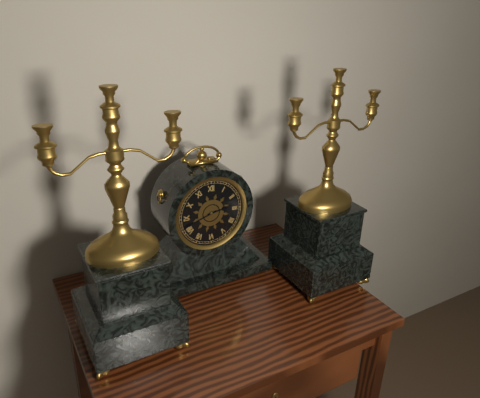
2:42
